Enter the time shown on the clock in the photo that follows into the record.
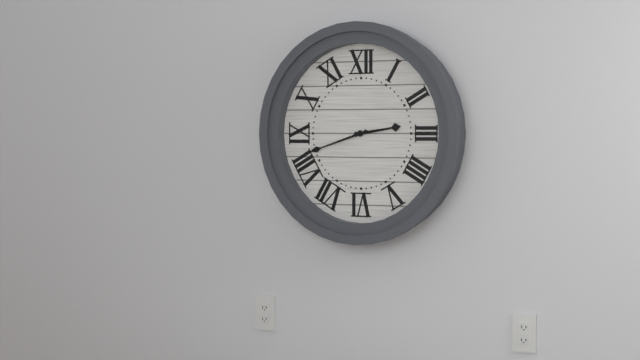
2:42
